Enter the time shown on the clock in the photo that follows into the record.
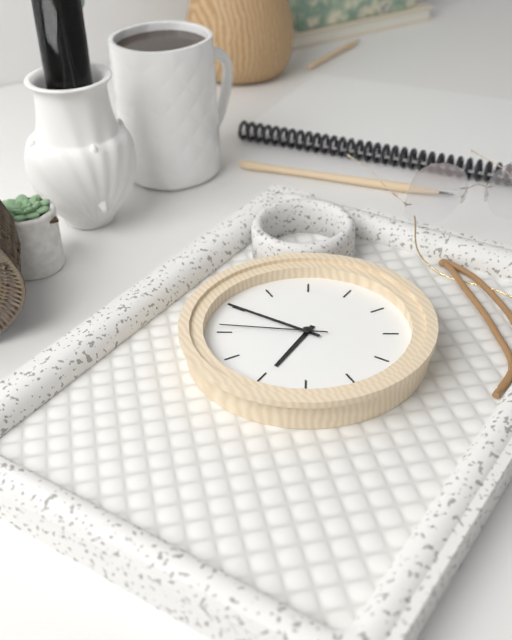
7:55:51
